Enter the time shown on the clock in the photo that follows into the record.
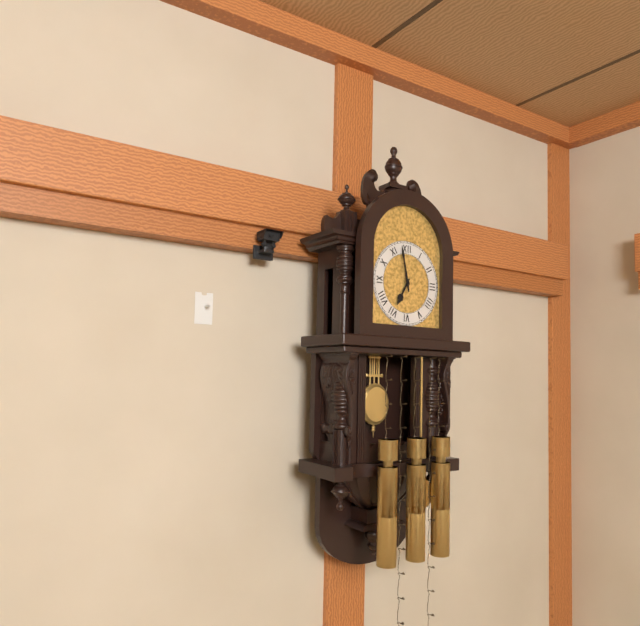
6:58
